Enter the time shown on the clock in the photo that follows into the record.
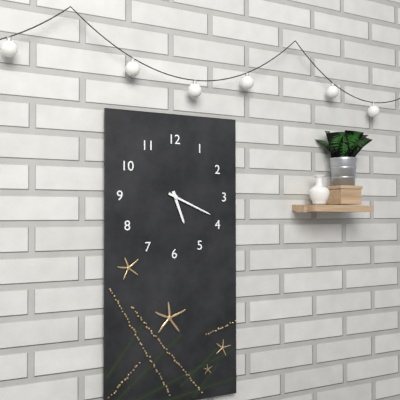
5:19
